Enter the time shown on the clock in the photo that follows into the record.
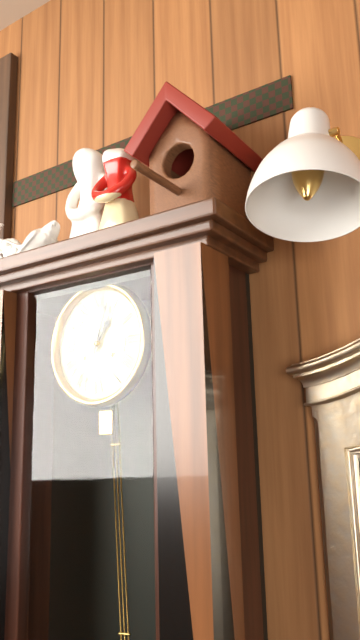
1:03
